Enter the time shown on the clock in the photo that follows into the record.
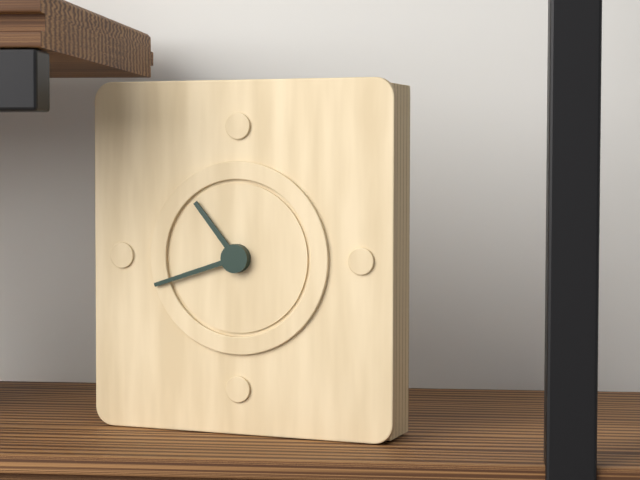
10:42
